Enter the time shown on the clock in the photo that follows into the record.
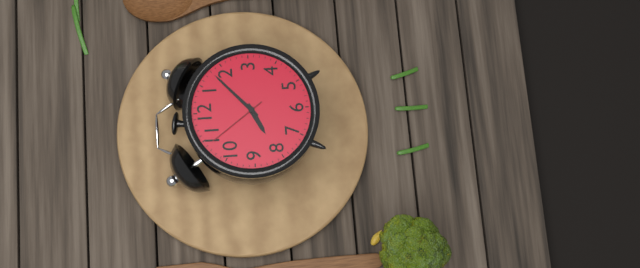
8:08:54
